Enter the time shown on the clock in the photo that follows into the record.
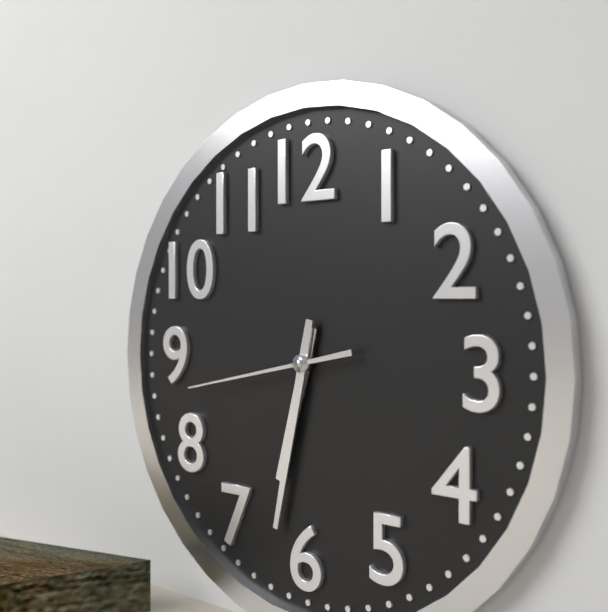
6:32:43
